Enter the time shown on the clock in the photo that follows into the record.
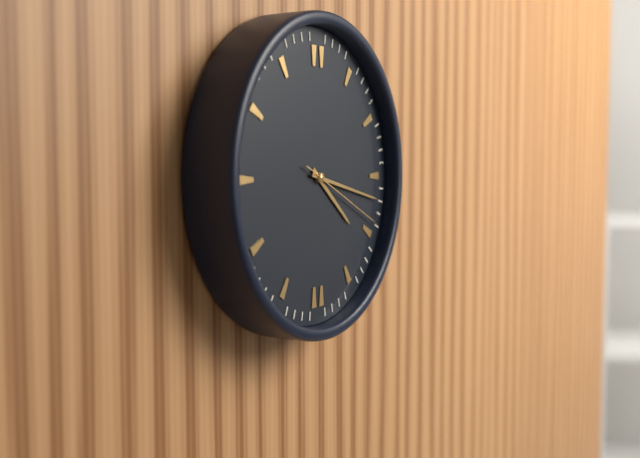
4:17:19
